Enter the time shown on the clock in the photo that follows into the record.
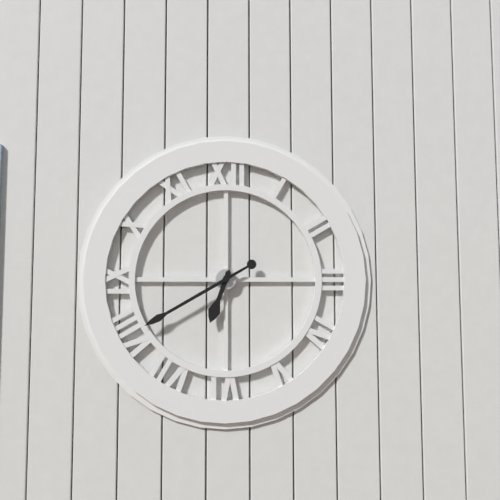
6:40
